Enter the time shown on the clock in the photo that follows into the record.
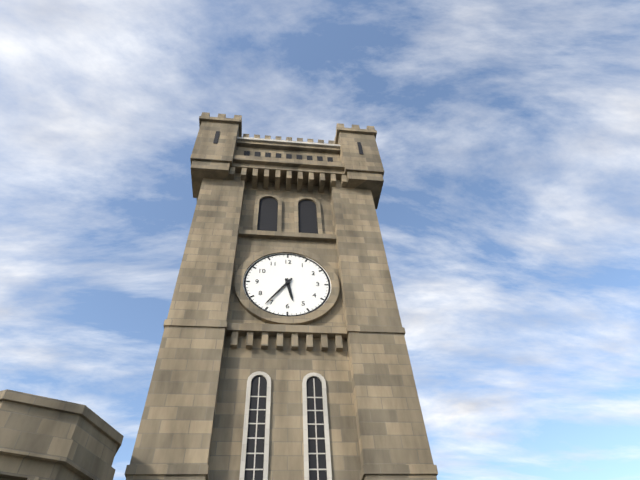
5:36
